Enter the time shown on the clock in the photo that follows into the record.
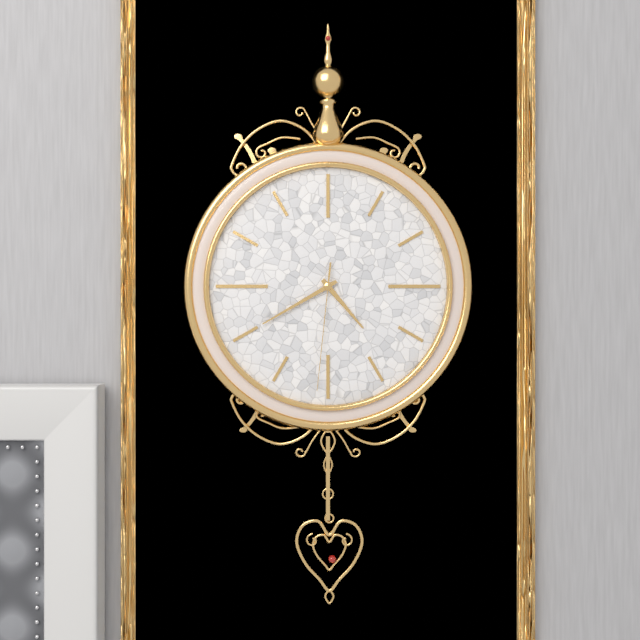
4:40:31
